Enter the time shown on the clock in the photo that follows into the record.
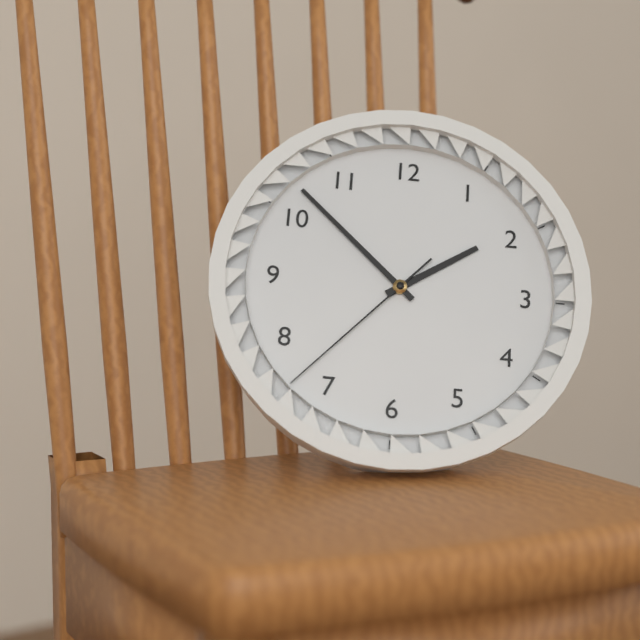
1:52:37
